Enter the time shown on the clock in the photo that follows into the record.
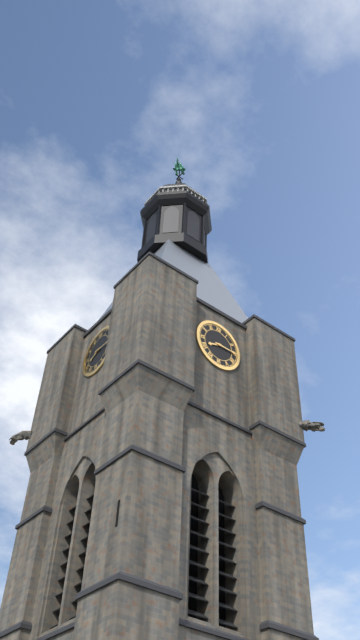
8:15
